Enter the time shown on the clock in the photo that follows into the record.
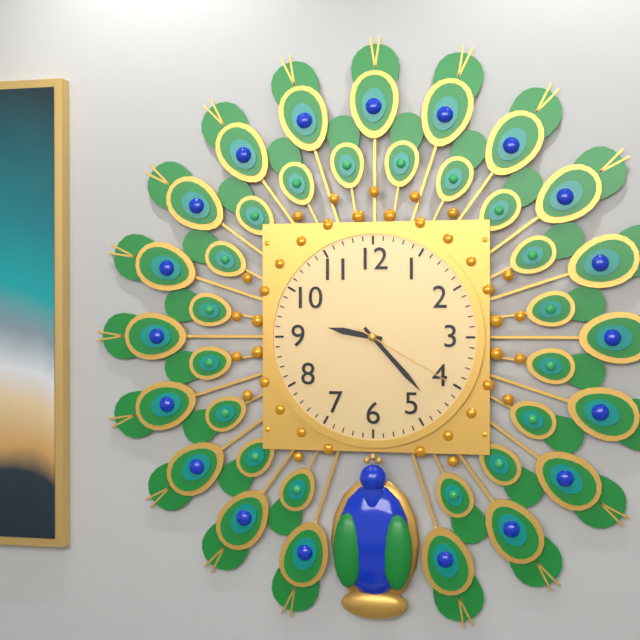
9:23:20
